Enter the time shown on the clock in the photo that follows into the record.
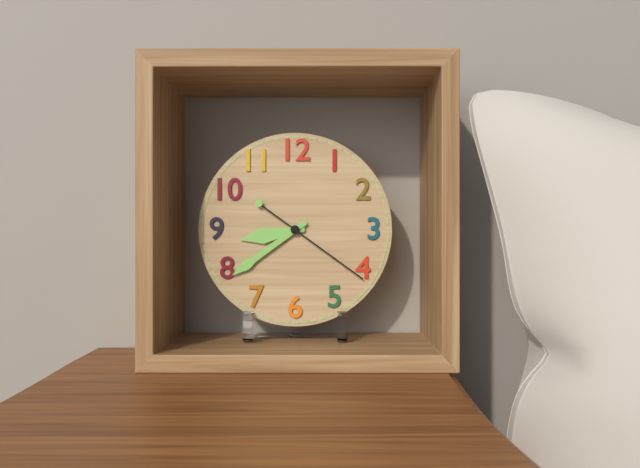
8:39:21
